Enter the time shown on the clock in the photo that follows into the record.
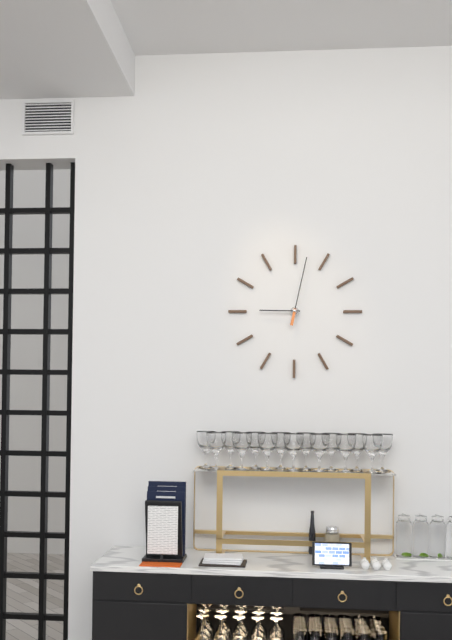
9:02
